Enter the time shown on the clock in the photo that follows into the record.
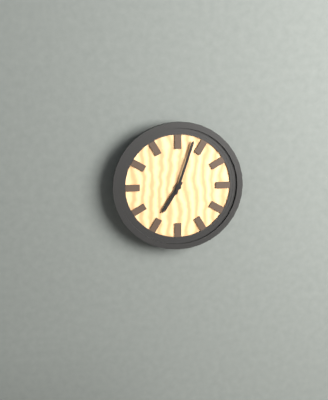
7:03
